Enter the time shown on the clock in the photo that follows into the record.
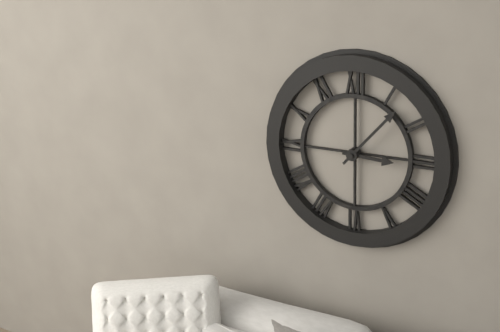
3:07
